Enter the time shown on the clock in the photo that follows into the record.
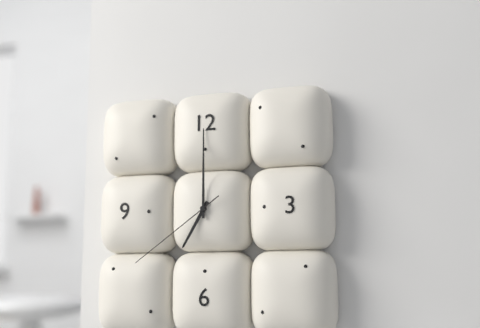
7:00:39
